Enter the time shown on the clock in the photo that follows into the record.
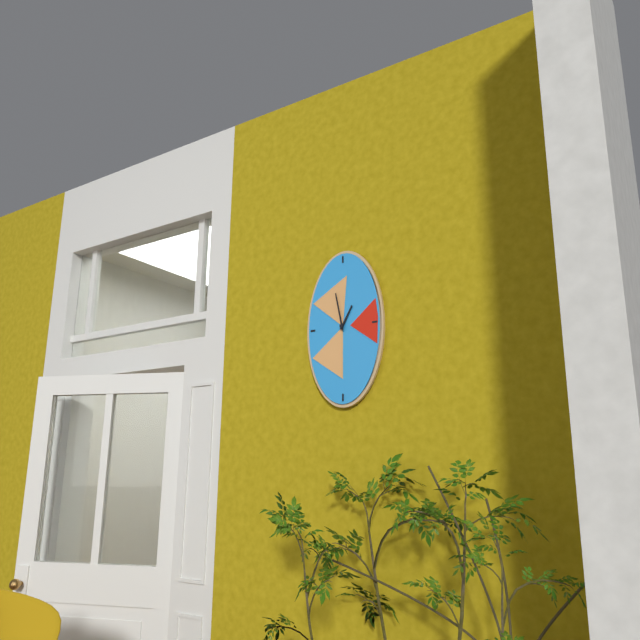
12:58
